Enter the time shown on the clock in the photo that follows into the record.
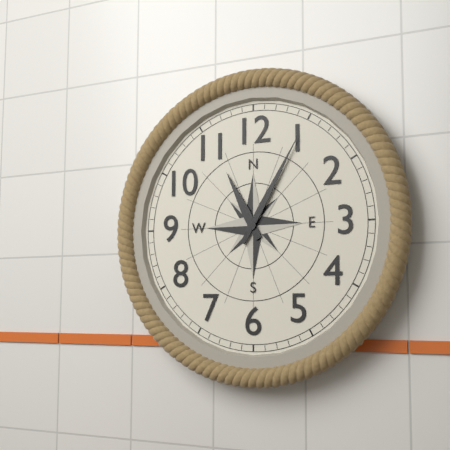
11:05
